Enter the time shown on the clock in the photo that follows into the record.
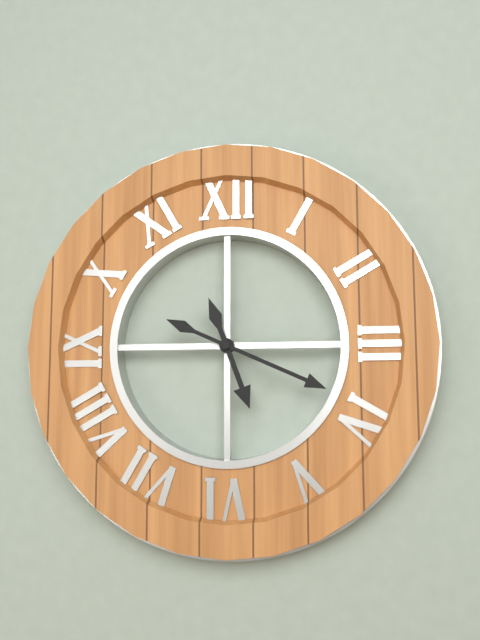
5:19
